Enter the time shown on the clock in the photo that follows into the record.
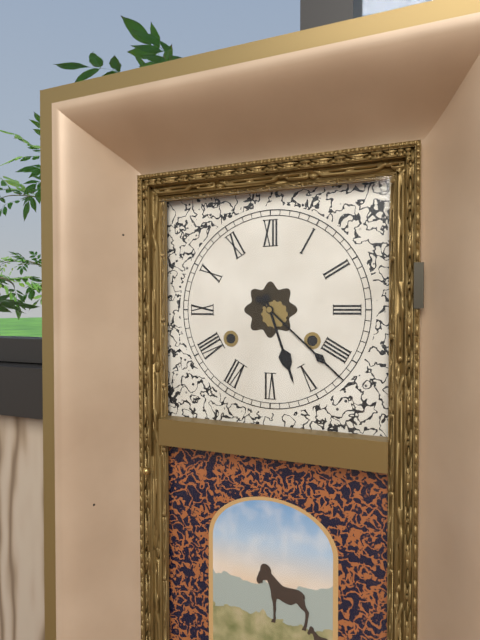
5:22
